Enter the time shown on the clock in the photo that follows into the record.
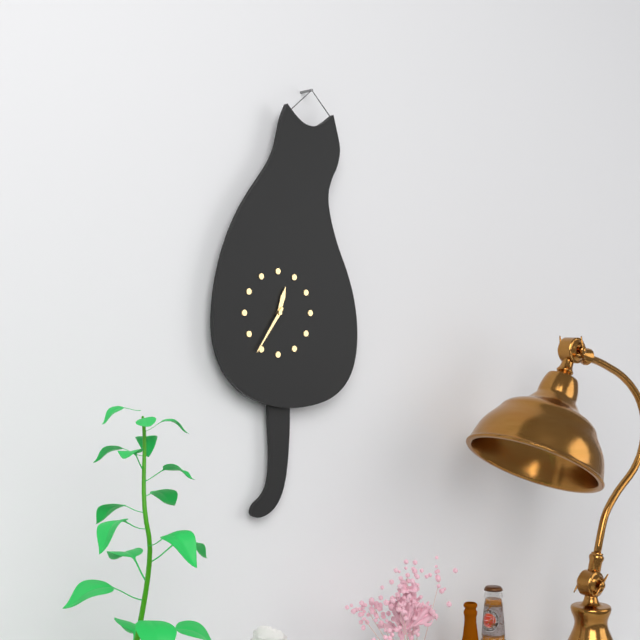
12:36
